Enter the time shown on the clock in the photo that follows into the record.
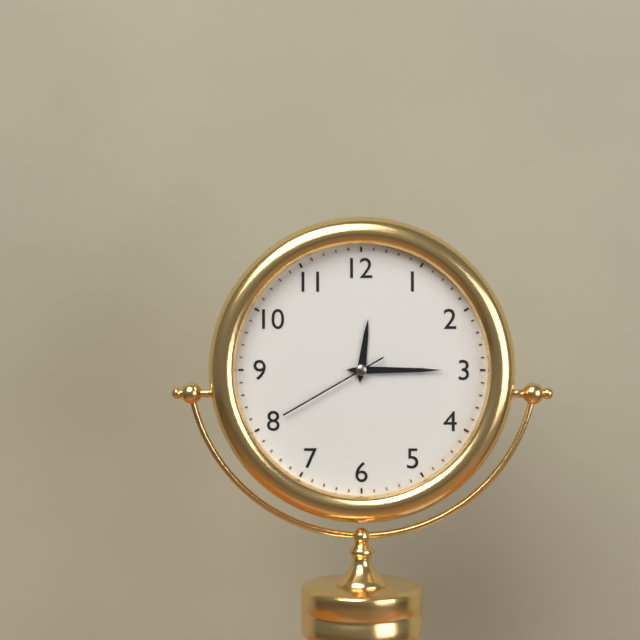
12:15:40
